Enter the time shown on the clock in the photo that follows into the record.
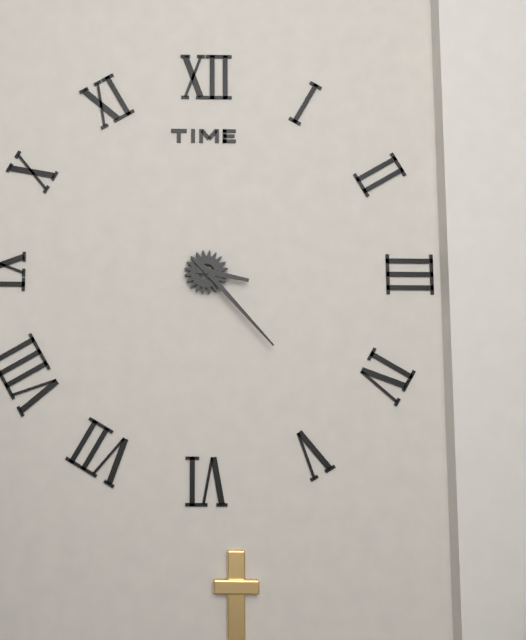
3:23
